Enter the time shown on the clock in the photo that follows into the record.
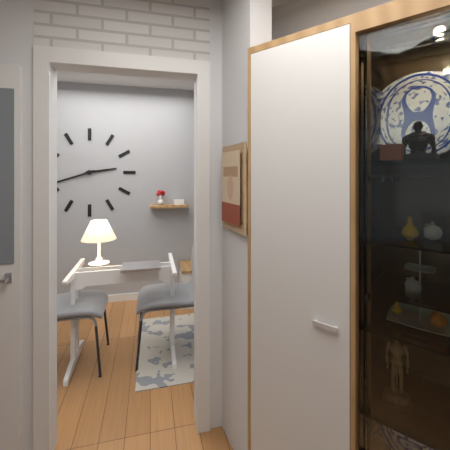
2:42
